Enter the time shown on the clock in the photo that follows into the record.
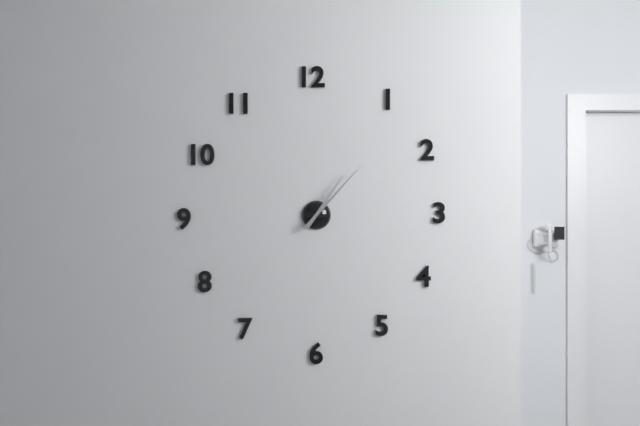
1:07
